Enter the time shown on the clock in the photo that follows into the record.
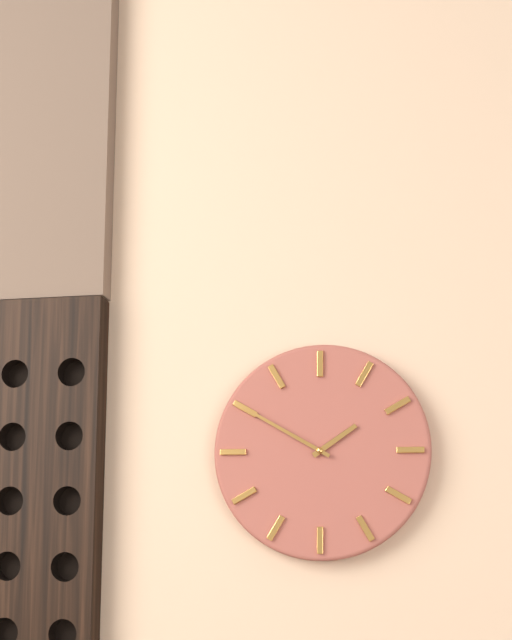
1:50
